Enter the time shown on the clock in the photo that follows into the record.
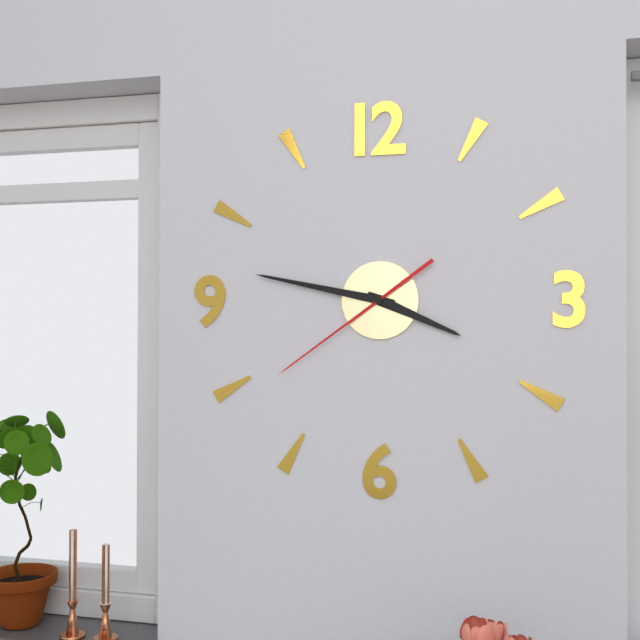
3:47:39
